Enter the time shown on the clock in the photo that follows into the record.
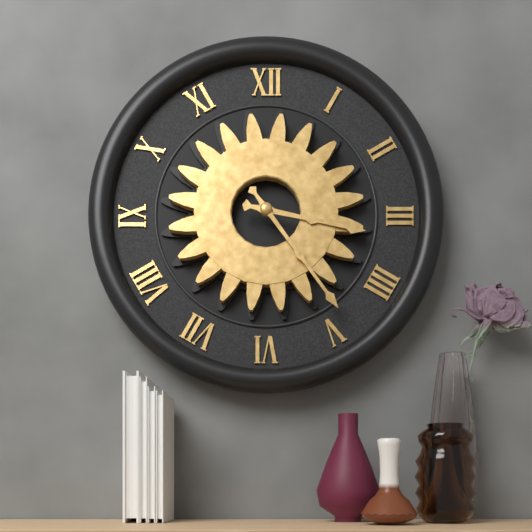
3:24
